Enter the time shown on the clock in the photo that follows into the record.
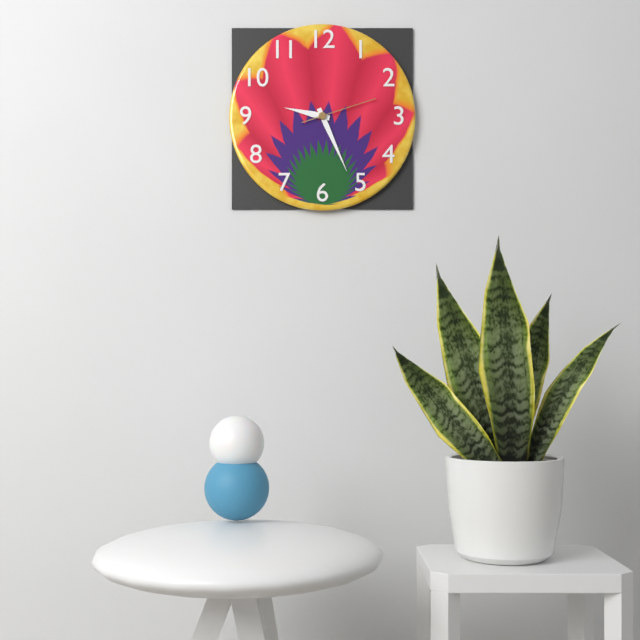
9:26:12
